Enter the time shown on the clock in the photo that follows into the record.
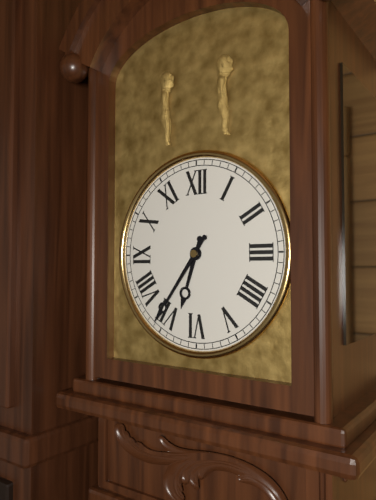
6:36
